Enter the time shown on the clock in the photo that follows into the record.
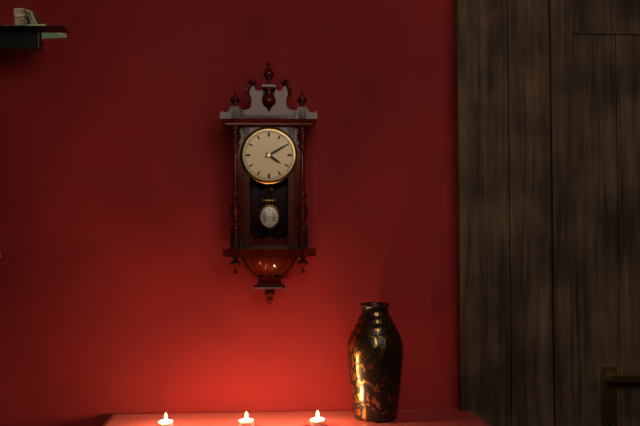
4:10
